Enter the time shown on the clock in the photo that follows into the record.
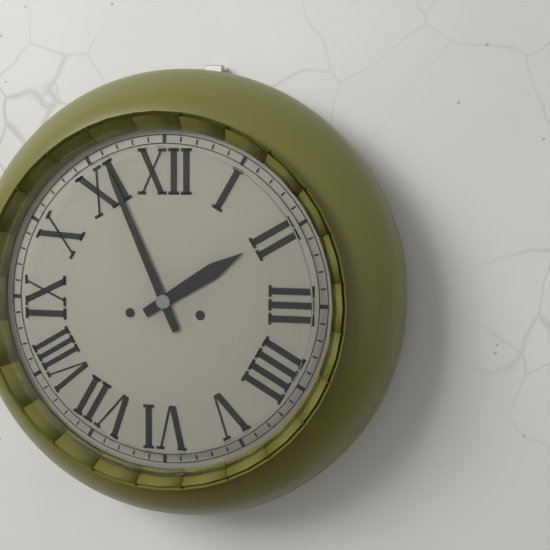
1:56
